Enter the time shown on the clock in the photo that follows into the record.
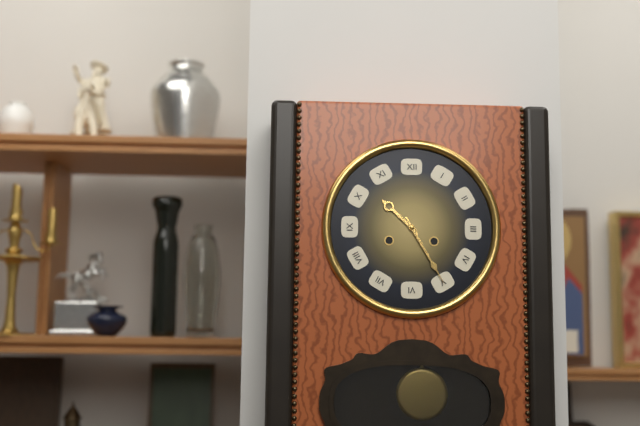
10:25
